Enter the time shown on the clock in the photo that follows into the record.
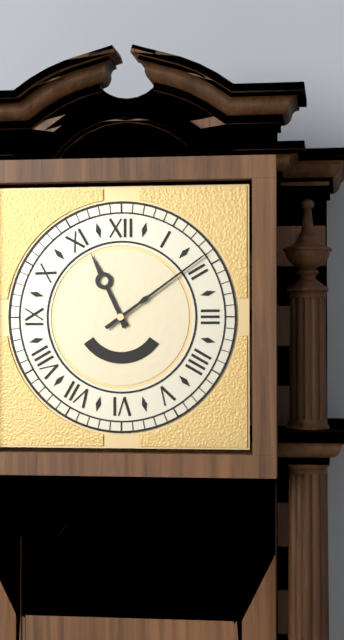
11:09
